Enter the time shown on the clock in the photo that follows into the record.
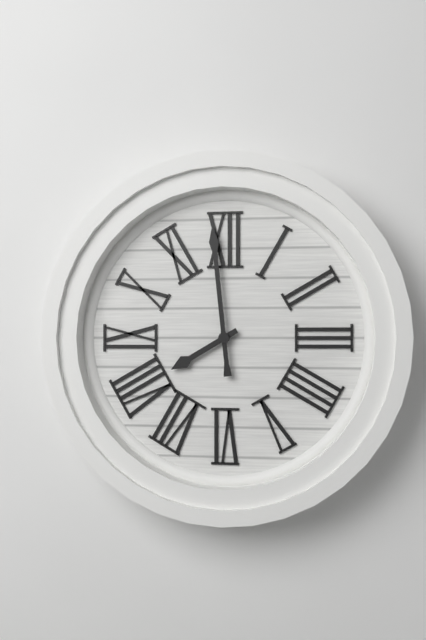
7:59
